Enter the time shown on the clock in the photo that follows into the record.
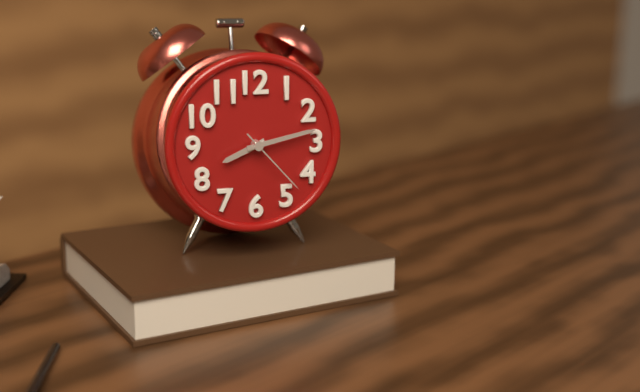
8:13:23
